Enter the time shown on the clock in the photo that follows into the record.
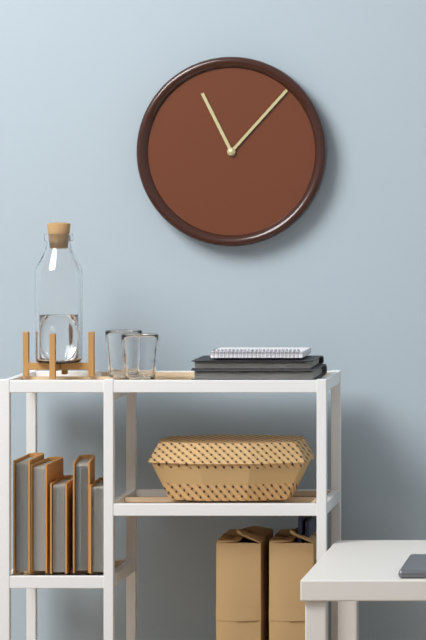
11:07
